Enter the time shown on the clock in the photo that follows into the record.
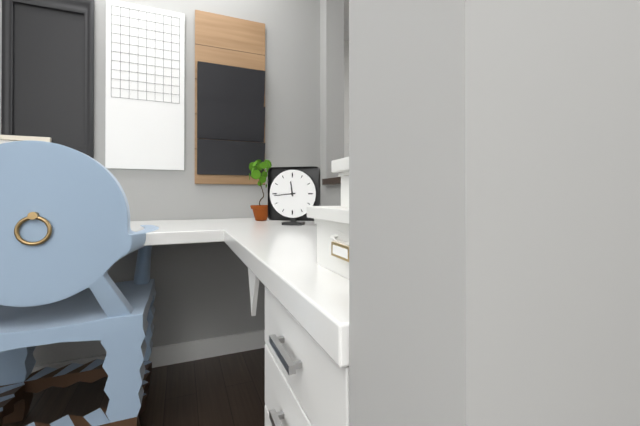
11:44
